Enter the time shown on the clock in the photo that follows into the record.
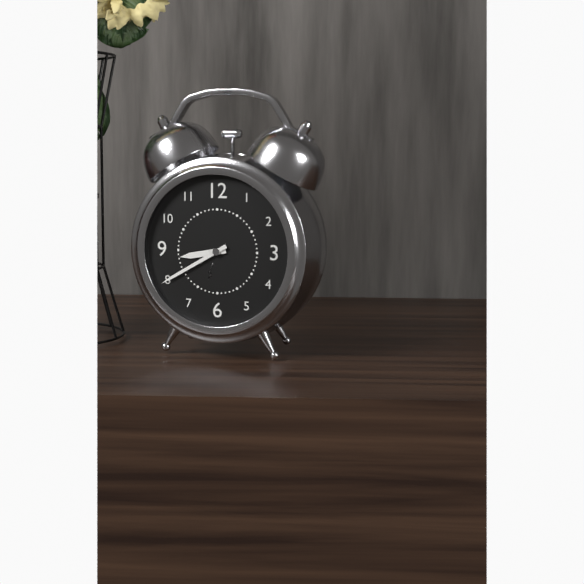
8:40
